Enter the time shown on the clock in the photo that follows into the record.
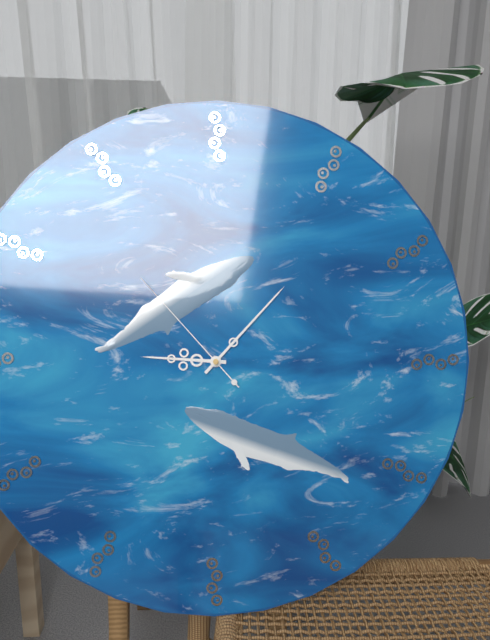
9:07:53
